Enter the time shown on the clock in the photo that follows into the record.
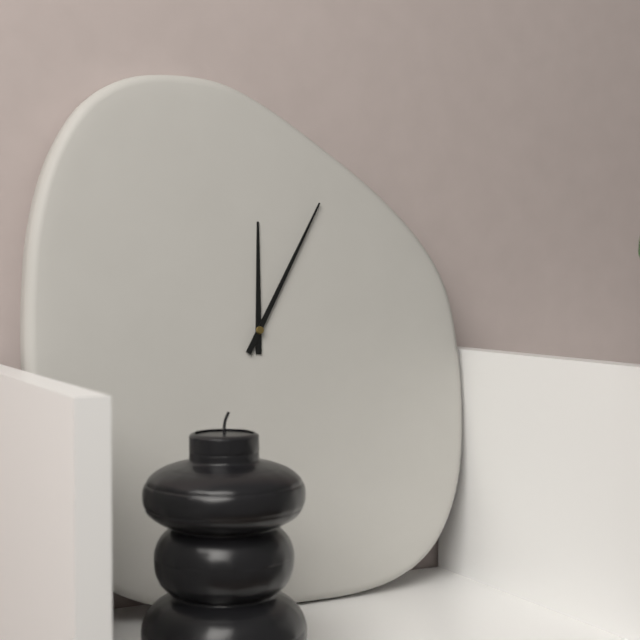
12:05
